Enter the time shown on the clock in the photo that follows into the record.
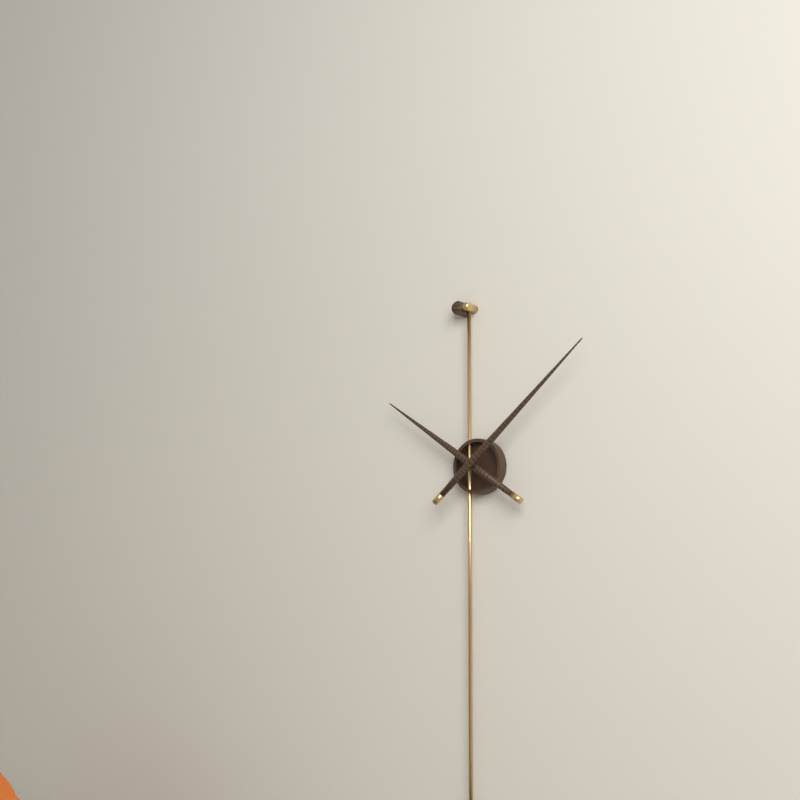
10:08
